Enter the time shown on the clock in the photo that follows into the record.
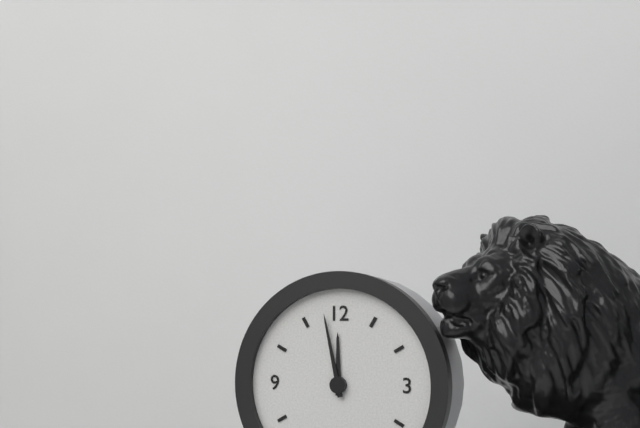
11:58
